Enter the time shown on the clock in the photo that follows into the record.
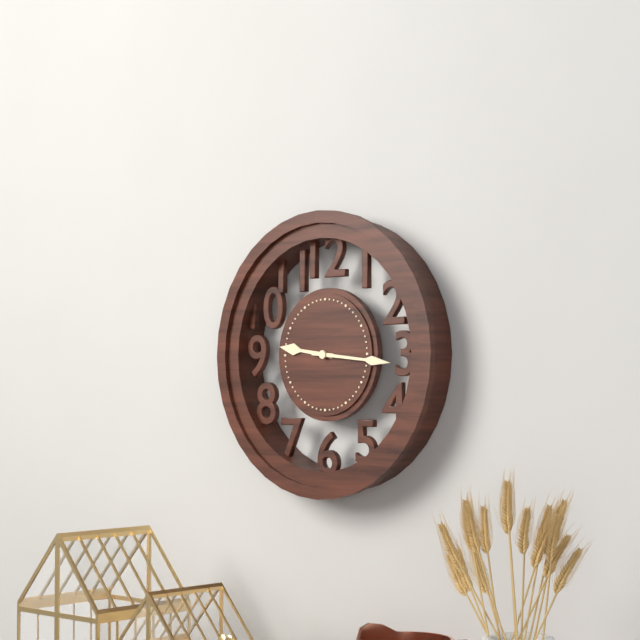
9:16
